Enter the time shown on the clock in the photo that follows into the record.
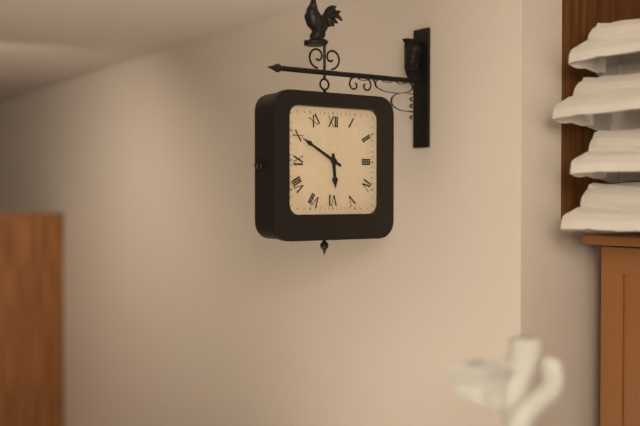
5:50
